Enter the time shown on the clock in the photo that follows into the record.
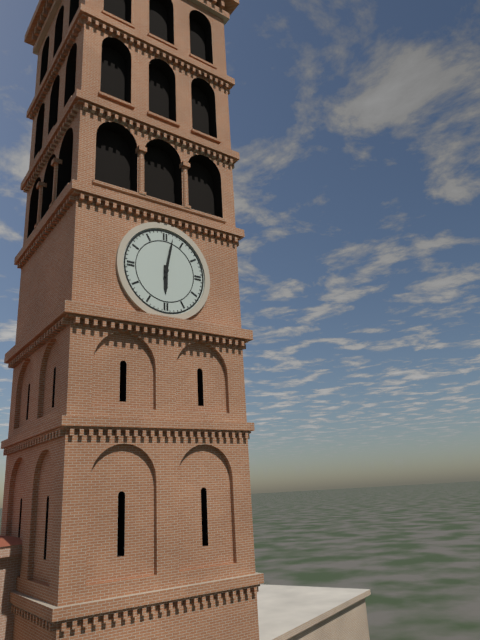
6:02
